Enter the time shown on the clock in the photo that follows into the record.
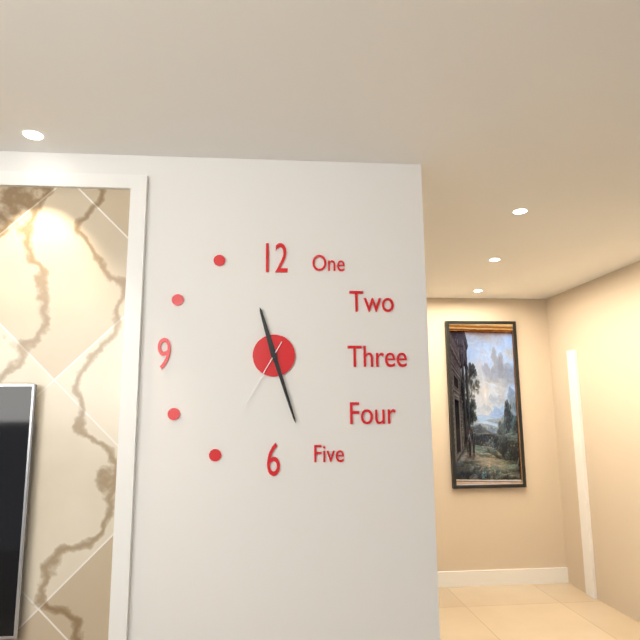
11:27:35
